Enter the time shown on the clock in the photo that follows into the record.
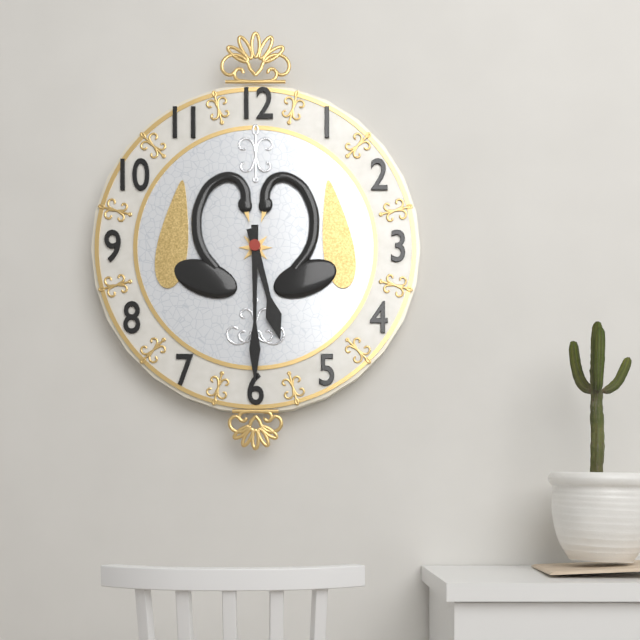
5:30
